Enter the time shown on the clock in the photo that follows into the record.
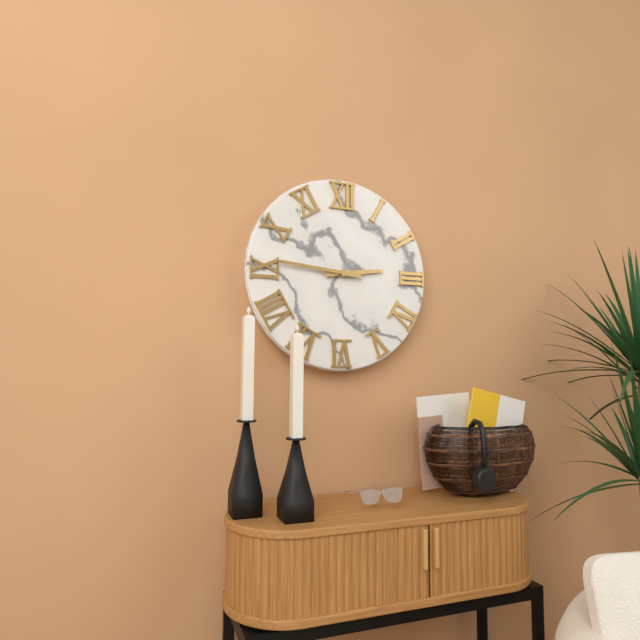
2:46
